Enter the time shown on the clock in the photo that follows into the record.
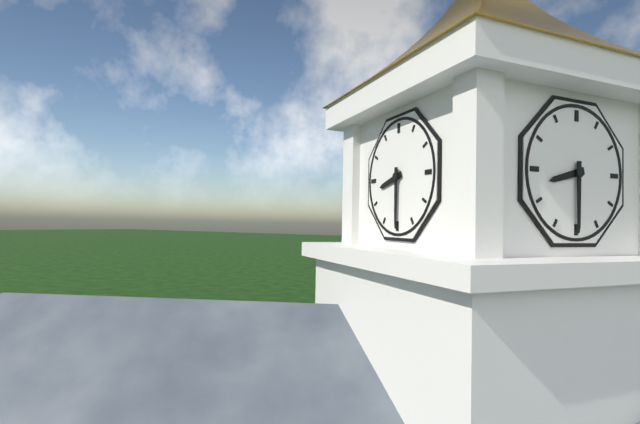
8:30
